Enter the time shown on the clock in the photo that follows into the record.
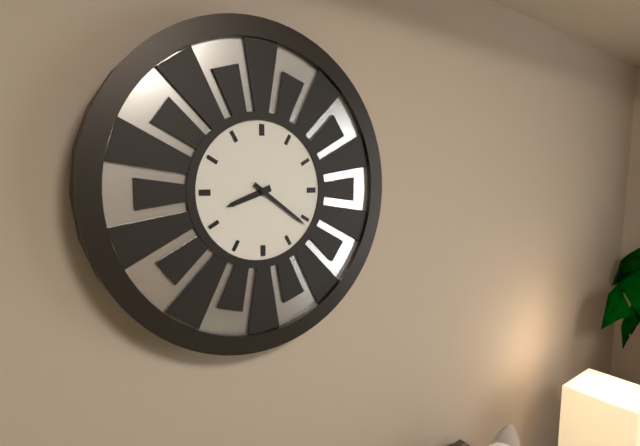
8:21
